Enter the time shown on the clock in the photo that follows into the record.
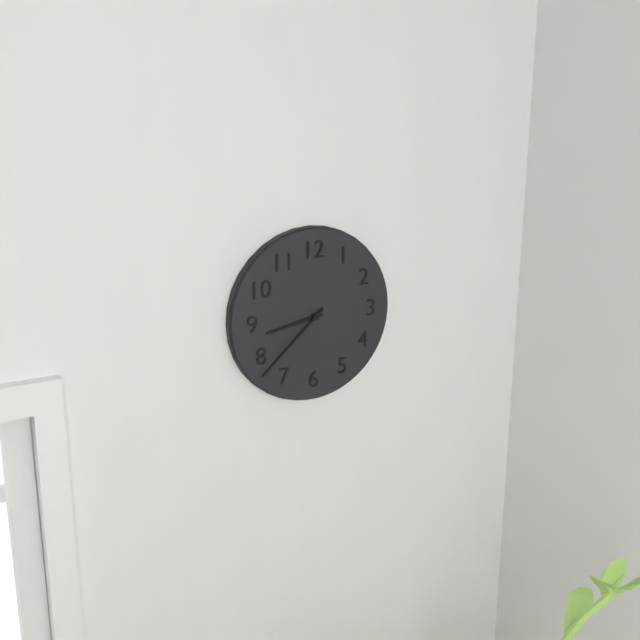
8:38
